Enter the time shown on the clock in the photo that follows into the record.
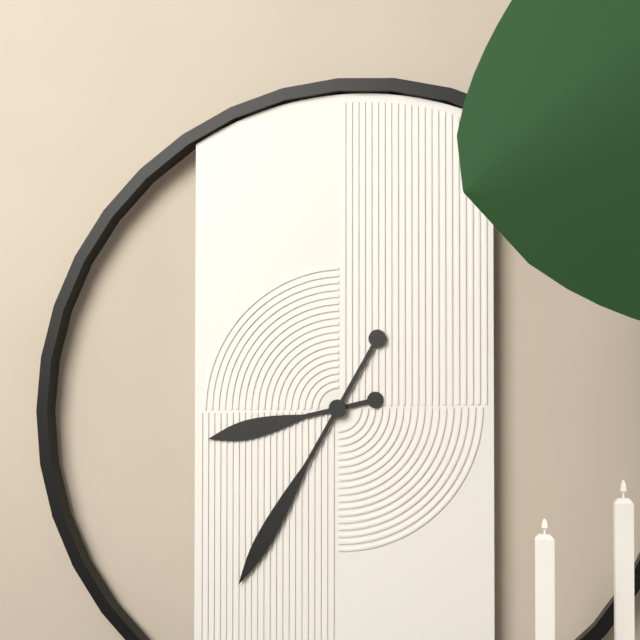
8:35
